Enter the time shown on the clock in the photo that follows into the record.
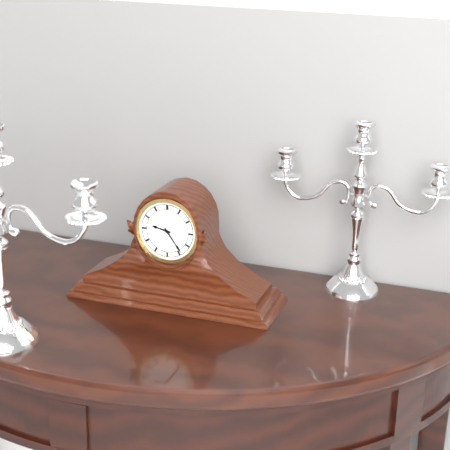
9:24
